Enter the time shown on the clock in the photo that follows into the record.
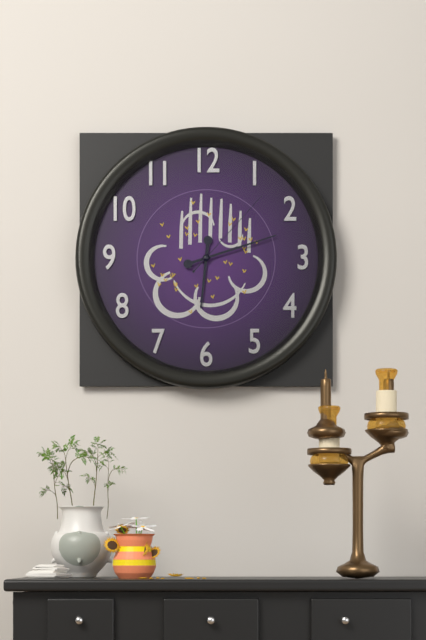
6:12:07
